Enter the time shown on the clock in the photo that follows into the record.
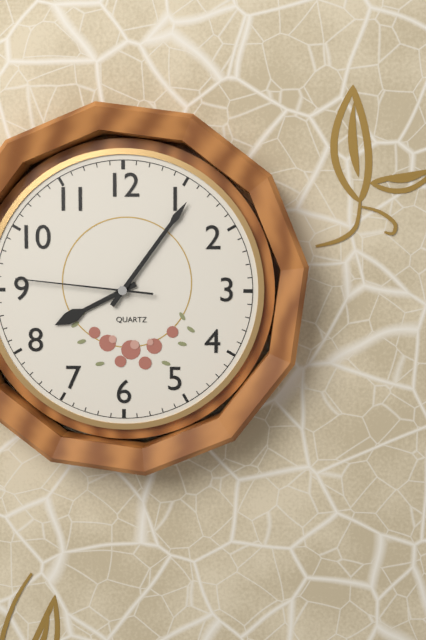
8:06:46
